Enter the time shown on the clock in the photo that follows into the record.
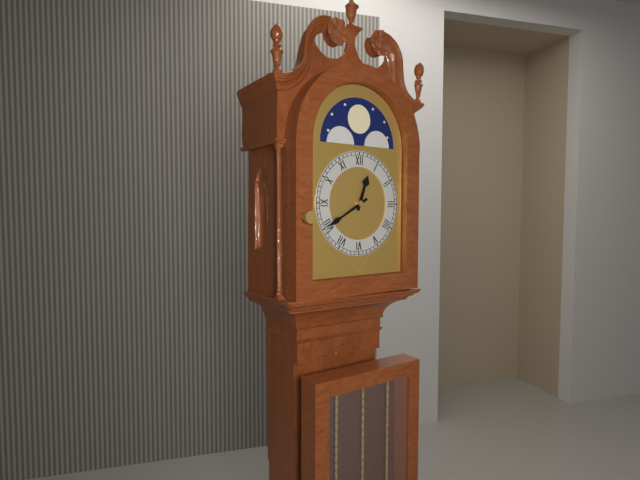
12:40
